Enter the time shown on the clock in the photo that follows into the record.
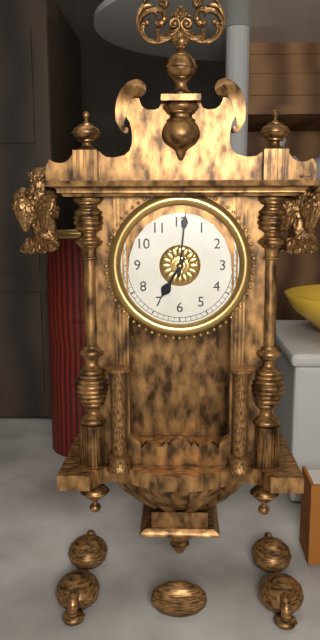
7:01
